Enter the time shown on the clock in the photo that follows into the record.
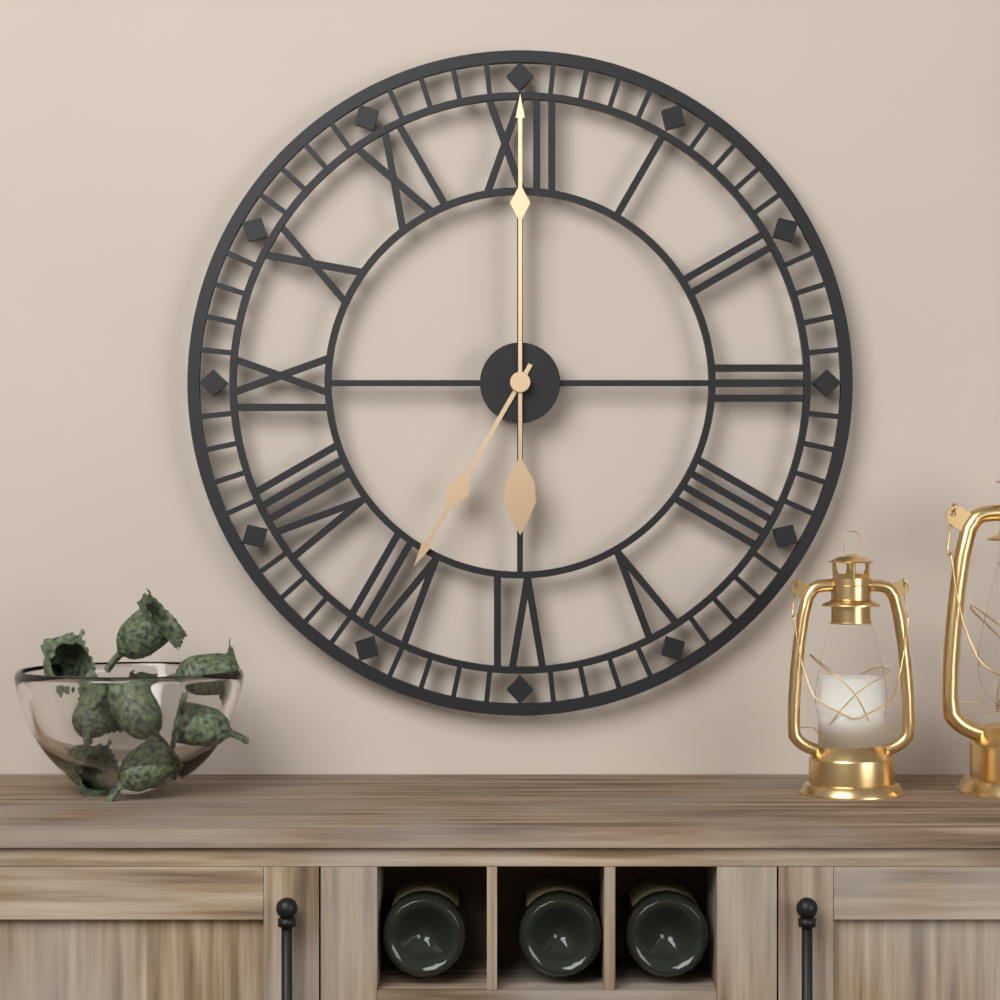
7:00
